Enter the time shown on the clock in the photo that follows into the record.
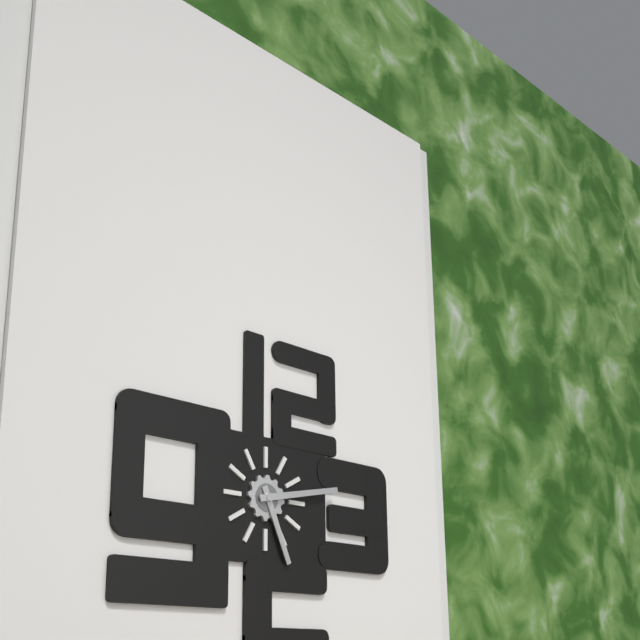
5:13
